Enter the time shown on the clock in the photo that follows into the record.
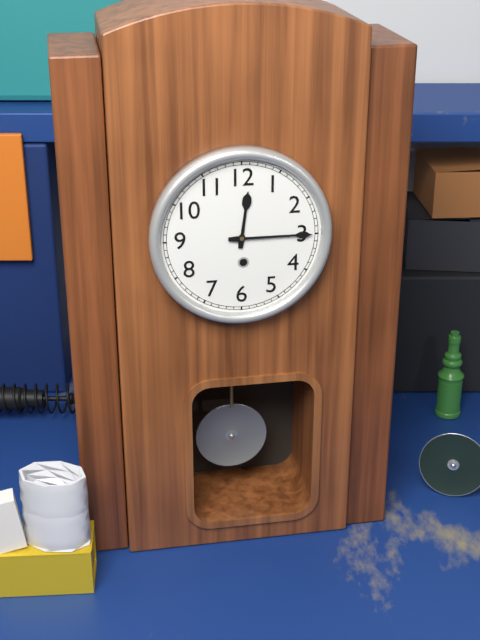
12:15
